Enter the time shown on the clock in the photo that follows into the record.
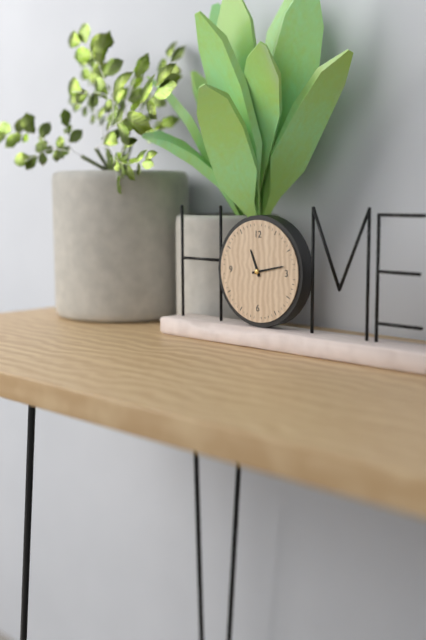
11:13
